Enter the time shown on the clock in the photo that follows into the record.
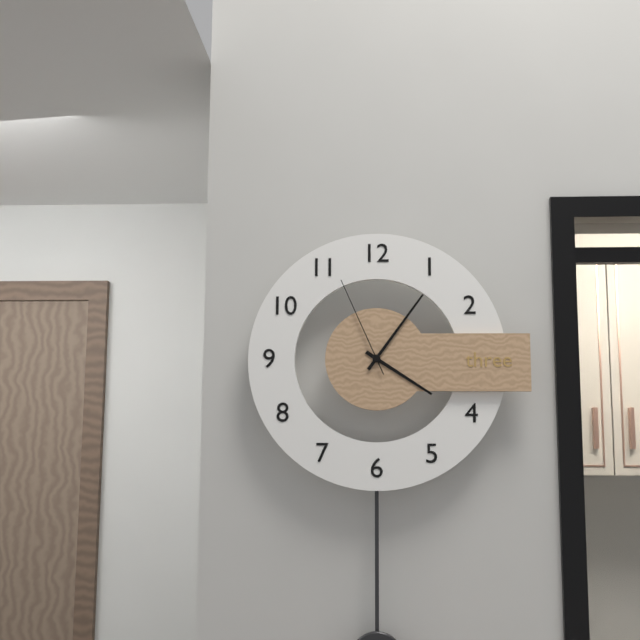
4:06:56
